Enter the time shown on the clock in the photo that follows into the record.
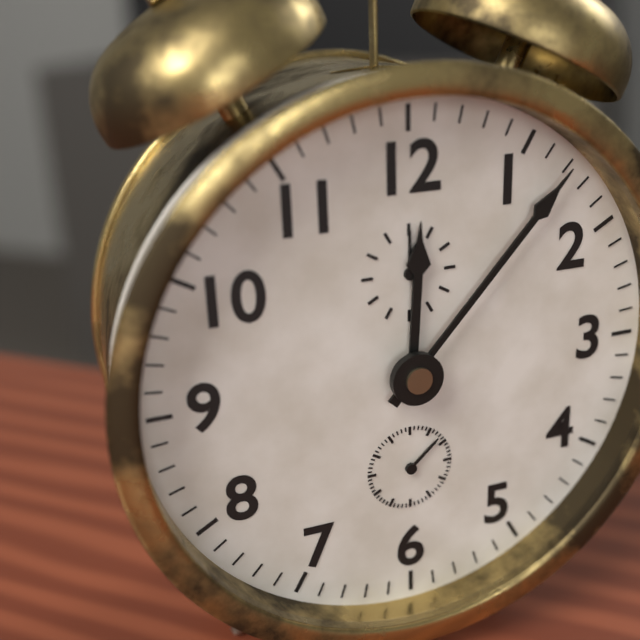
12:07
